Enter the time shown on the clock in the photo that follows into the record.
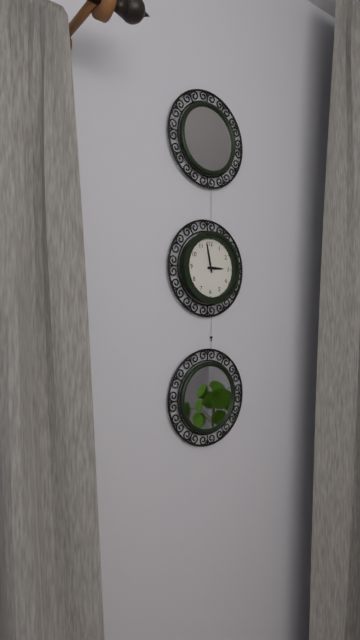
2:58
